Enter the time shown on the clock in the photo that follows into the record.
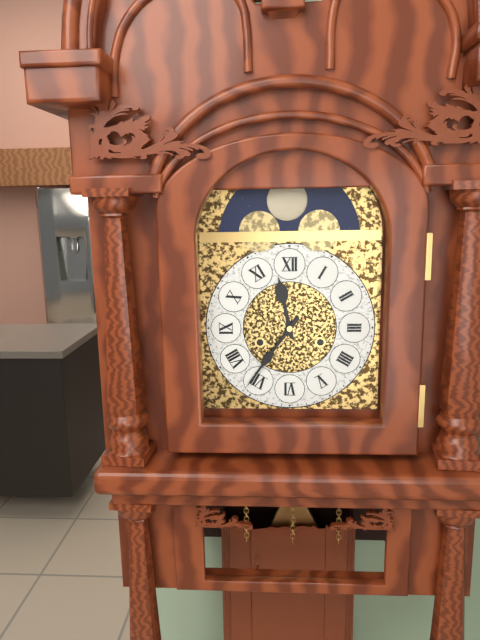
11:36
